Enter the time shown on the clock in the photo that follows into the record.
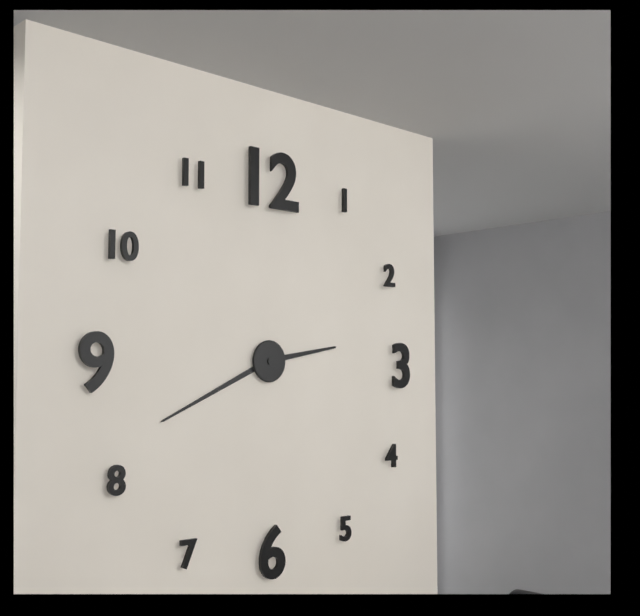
2:41
